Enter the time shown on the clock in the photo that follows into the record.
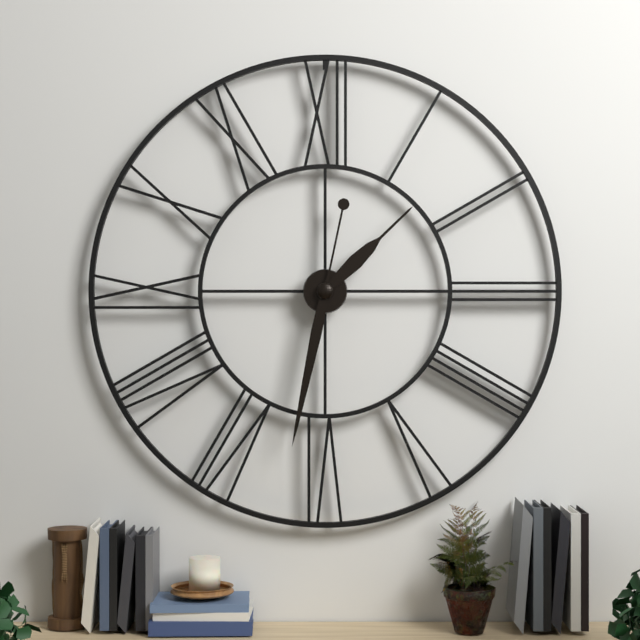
1:32
